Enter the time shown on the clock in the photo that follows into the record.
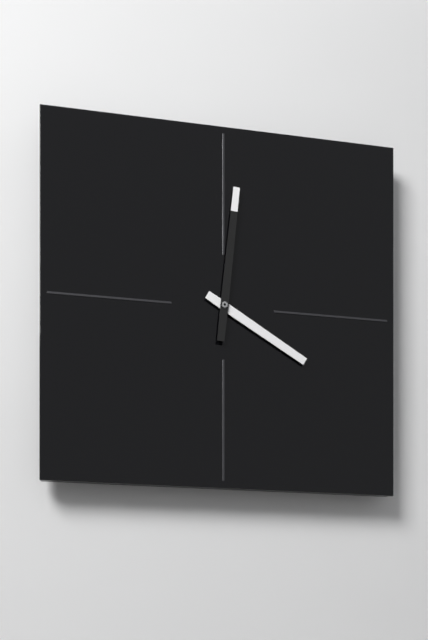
4:01
